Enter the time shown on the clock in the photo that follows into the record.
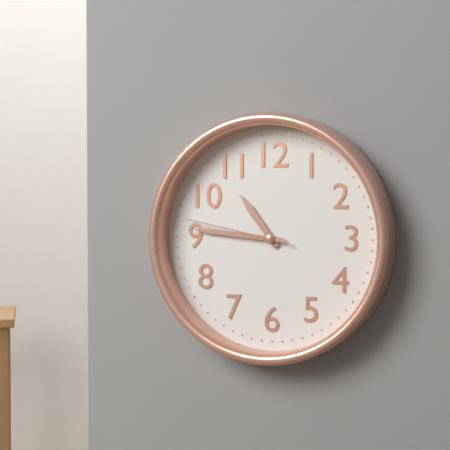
10:46:47
